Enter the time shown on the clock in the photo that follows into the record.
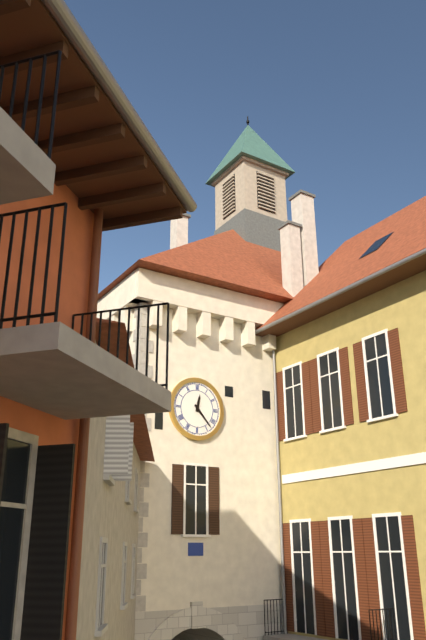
12:23
